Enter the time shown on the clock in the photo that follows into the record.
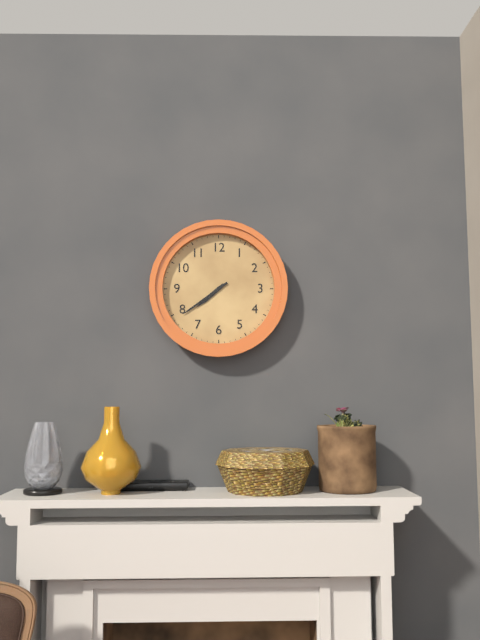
7:39
